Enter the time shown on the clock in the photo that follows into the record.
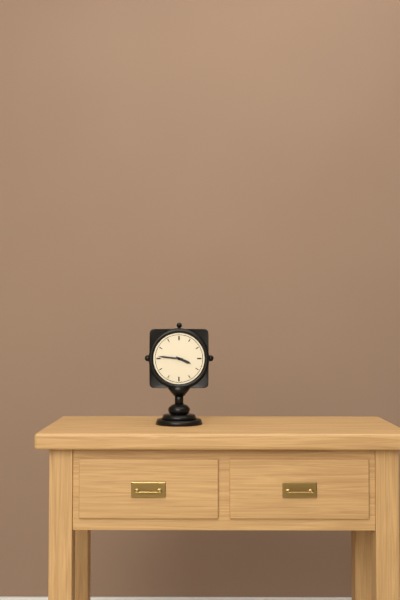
3:46
